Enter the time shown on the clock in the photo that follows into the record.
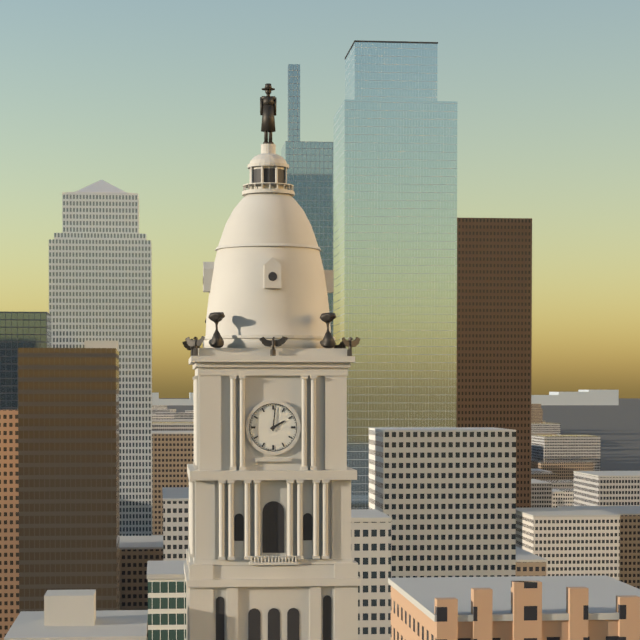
2:01
